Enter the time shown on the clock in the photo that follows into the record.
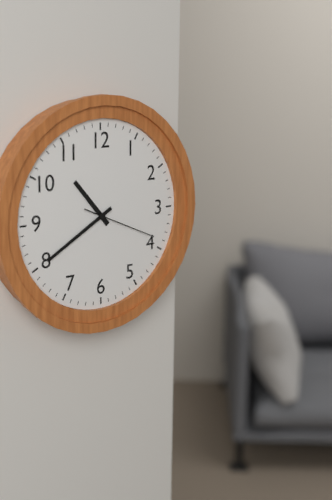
10:40:19
